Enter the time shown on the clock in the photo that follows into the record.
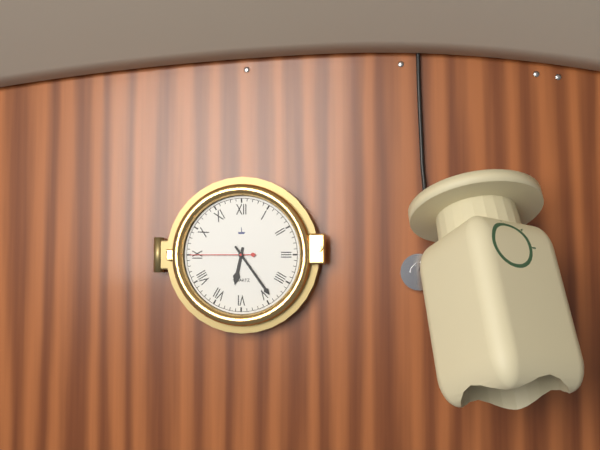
6:24:45
